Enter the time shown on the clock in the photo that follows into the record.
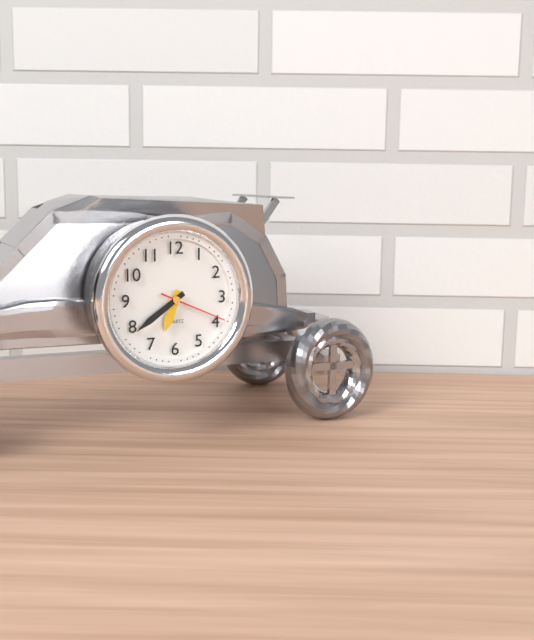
6:39:19
